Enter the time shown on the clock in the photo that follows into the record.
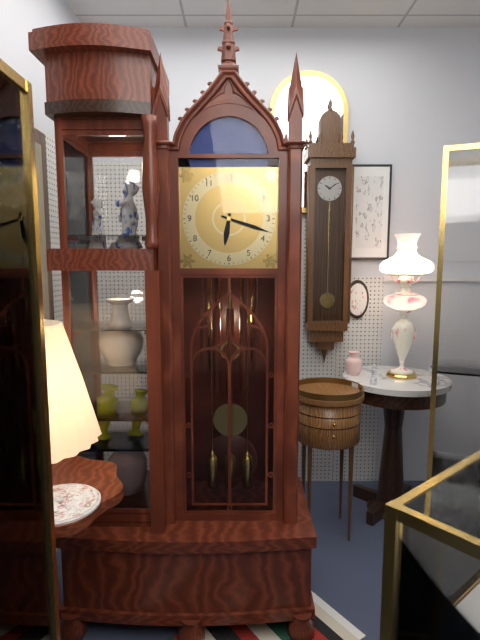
6:18
